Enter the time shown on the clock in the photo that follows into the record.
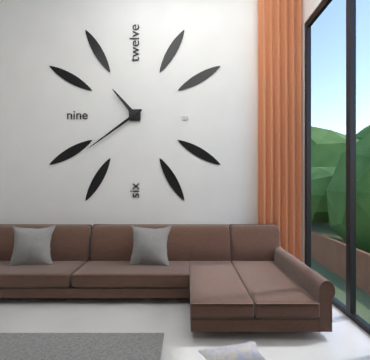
10:39
